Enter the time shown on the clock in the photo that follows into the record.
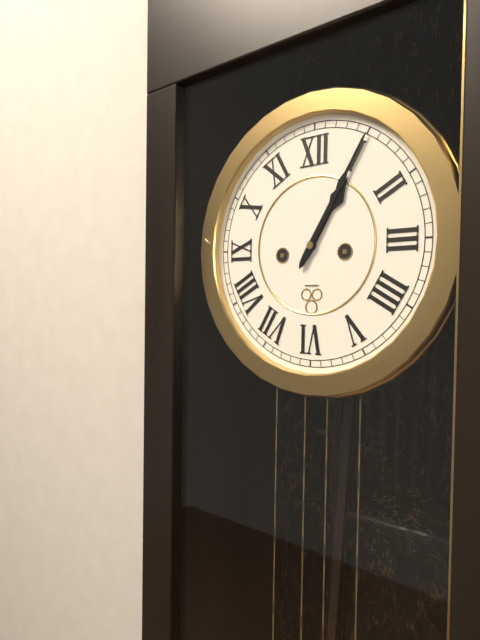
1:05
